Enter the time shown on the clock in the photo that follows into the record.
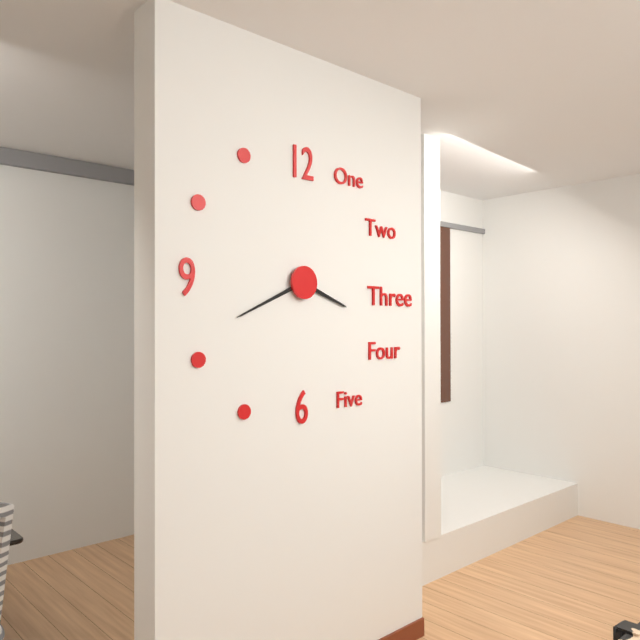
3:41
